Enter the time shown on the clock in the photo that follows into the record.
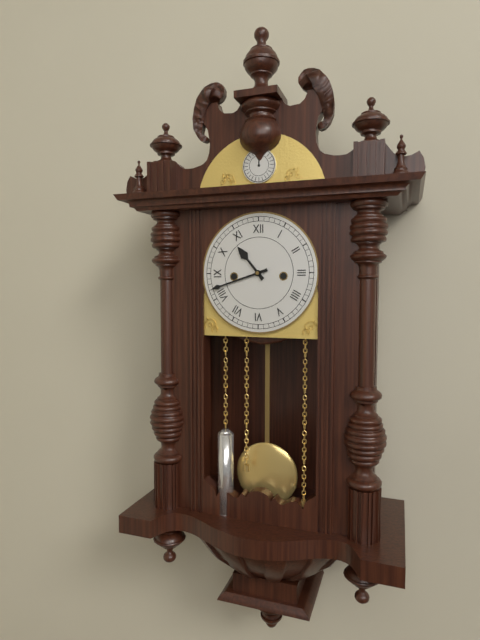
10:42
